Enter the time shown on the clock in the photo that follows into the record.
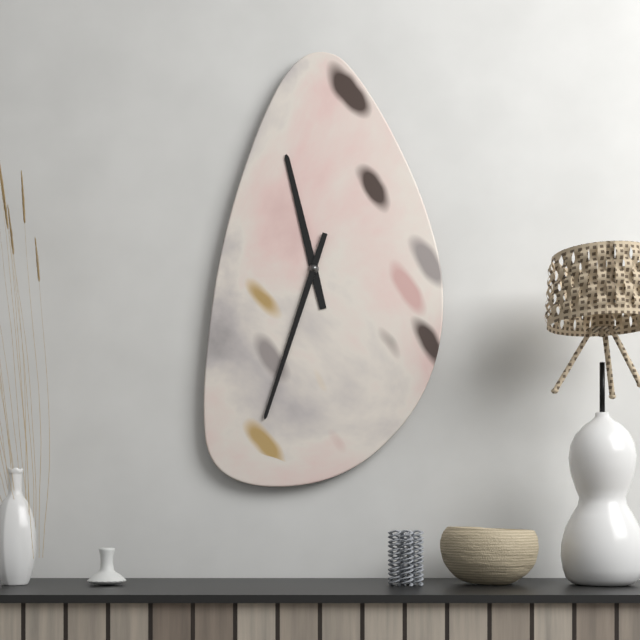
11:33
